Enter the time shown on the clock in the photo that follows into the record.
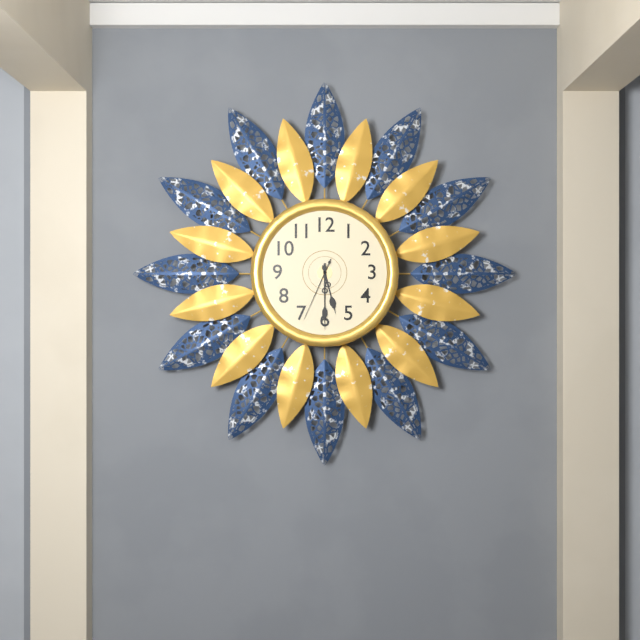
5:30:34
